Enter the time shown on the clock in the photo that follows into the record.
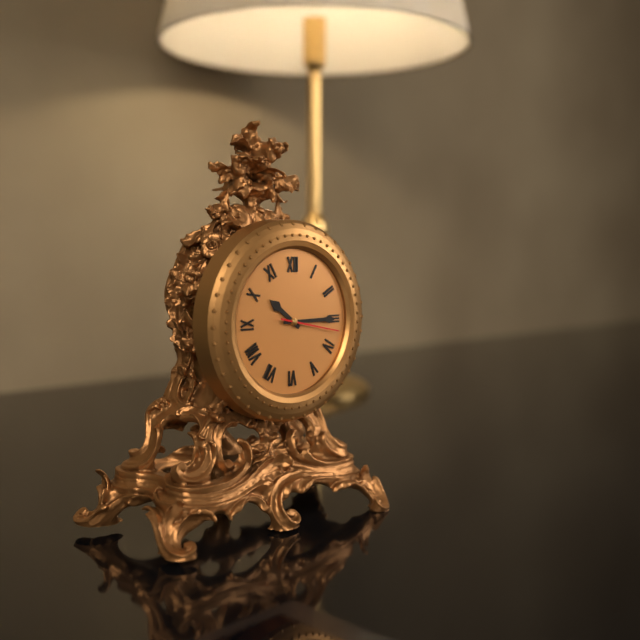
10:15:17
